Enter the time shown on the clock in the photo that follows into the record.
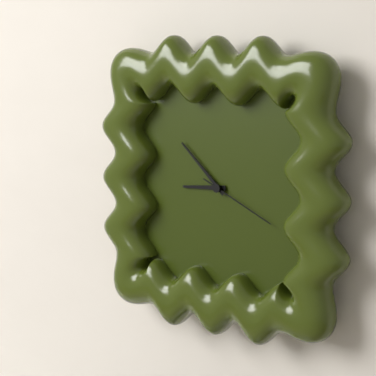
8:52:19
